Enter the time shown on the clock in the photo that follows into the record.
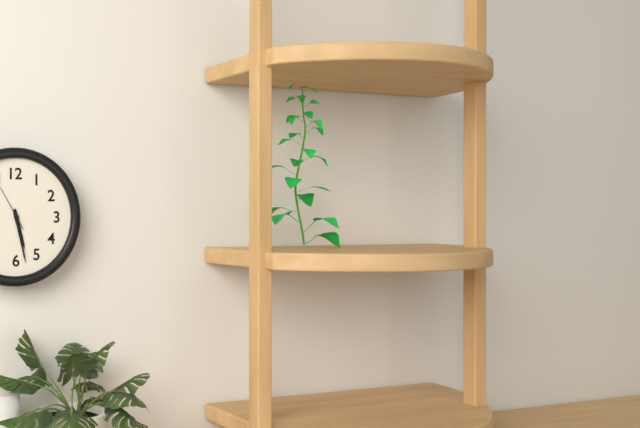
5:28
